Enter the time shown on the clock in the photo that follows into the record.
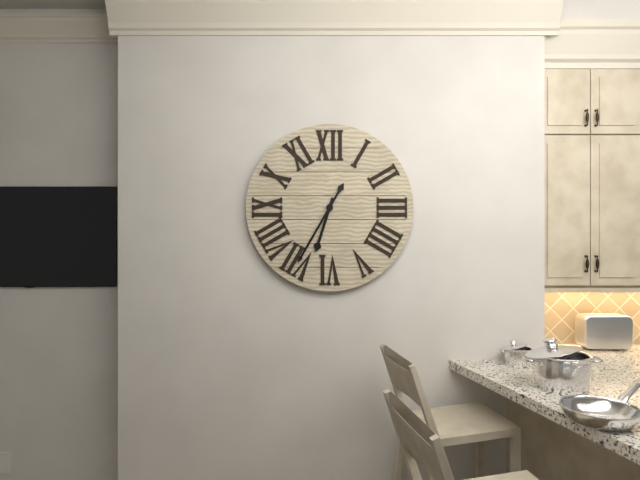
6:35
